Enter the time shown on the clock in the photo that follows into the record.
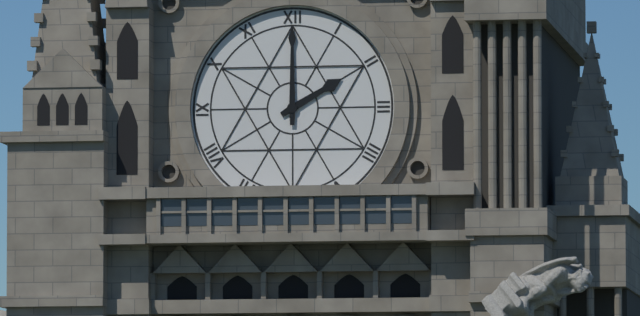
2:00
